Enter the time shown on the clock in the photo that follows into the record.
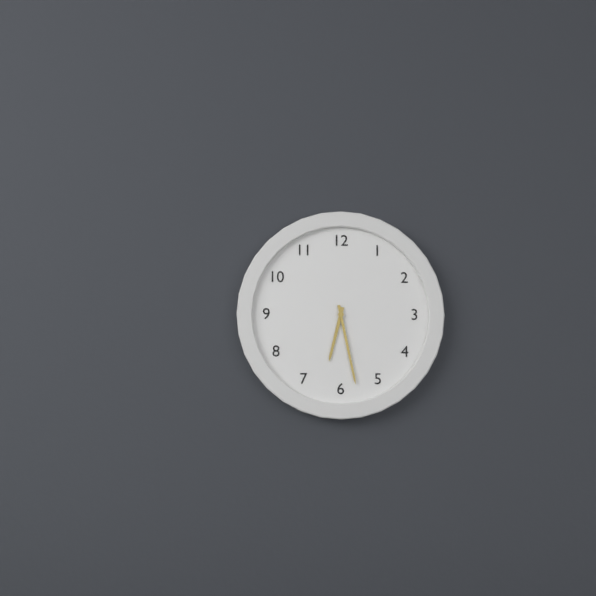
6:28
